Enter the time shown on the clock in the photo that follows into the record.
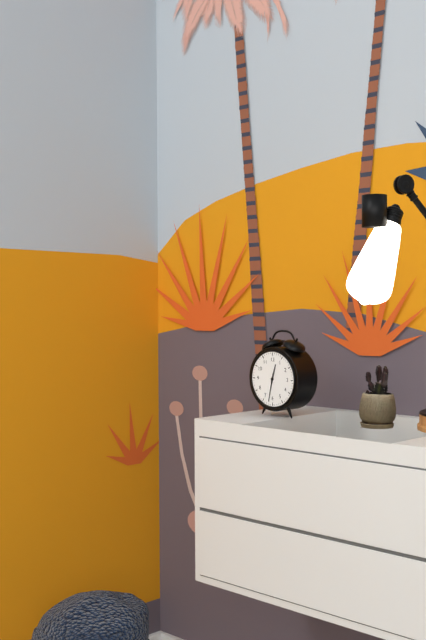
12:32
